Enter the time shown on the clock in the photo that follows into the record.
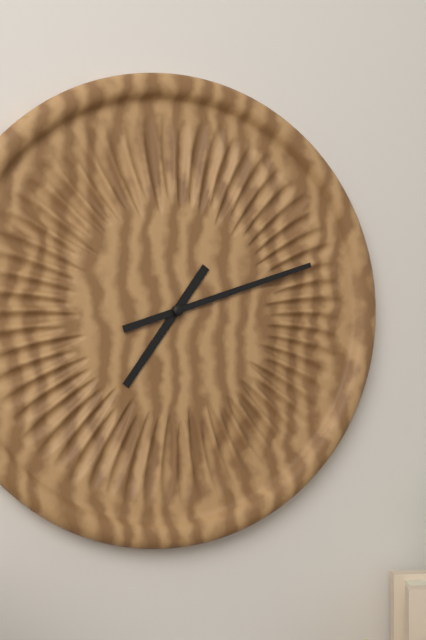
7:12
